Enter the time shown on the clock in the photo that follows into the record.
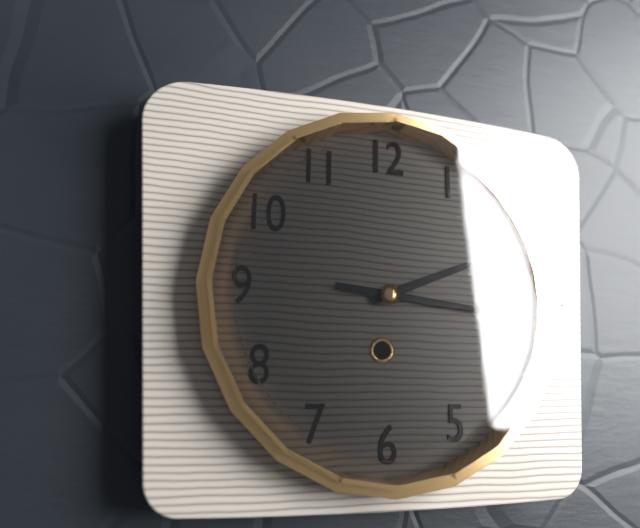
2:16
